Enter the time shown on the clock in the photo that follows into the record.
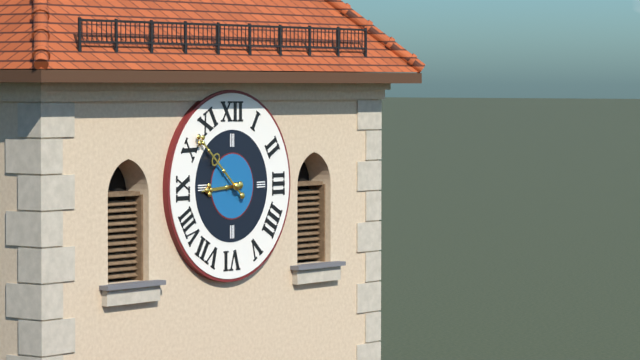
8:52
